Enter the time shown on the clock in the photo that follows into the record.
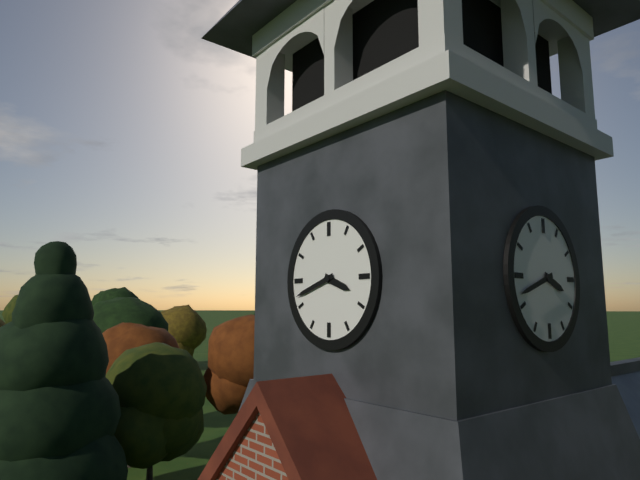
3:42
